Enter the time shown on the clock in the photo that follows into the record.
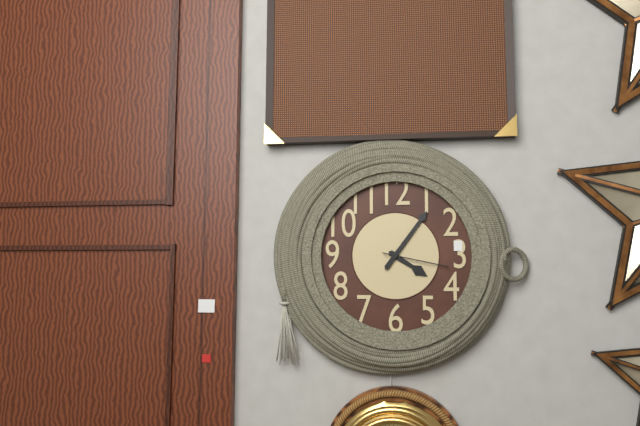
4:06:17
